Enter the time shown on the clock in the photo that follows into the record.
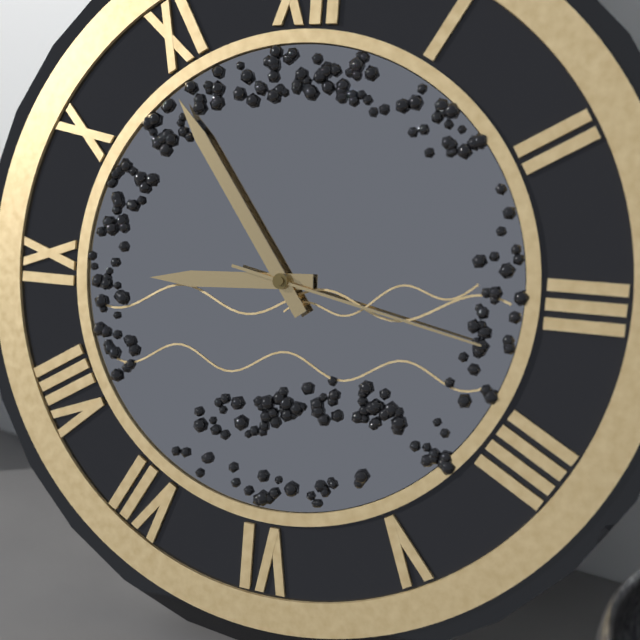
8:54:17
